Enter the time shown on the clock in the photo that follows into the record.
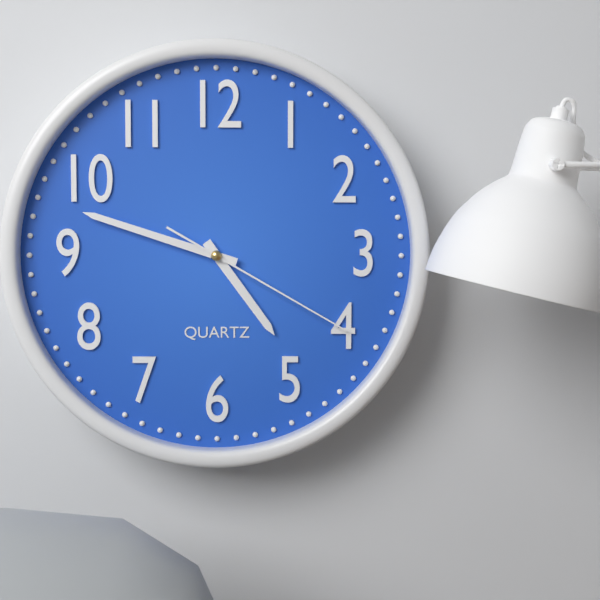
4:48:20
